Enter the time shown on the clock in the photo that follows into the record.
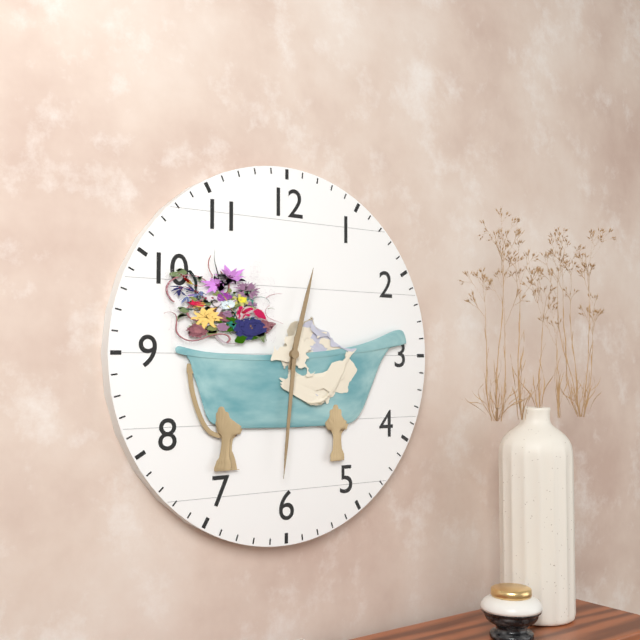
12:31
